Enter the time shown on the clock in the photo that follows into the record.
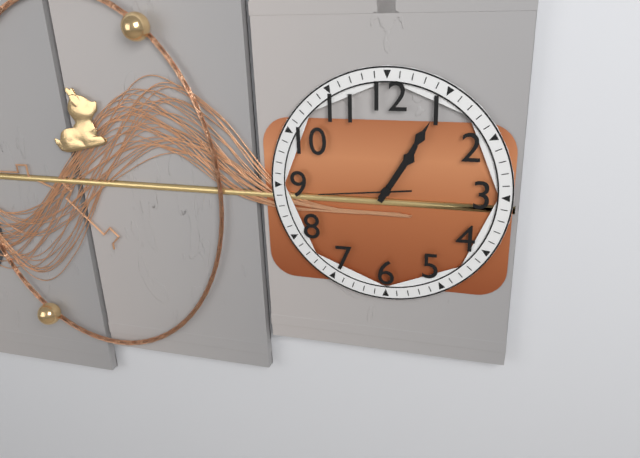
1:05:44
